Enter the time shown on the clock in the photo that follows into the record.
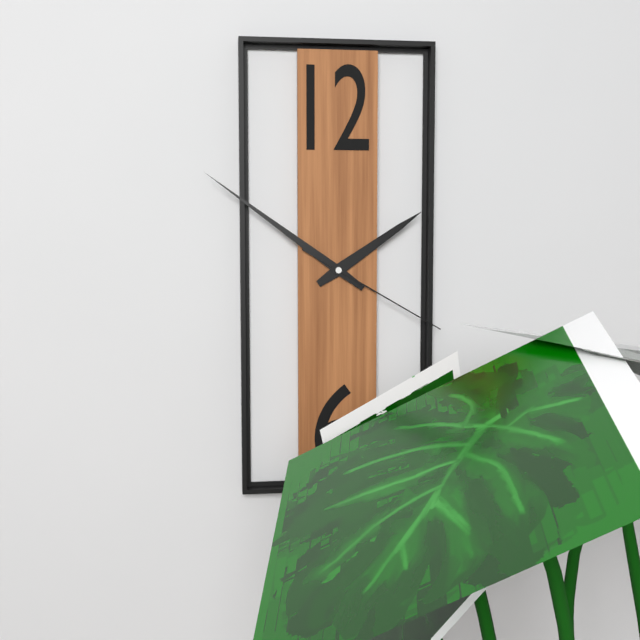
1:51:20
